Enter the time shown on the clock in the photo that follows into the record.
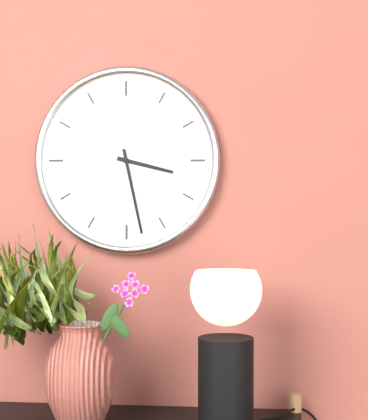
3:28
